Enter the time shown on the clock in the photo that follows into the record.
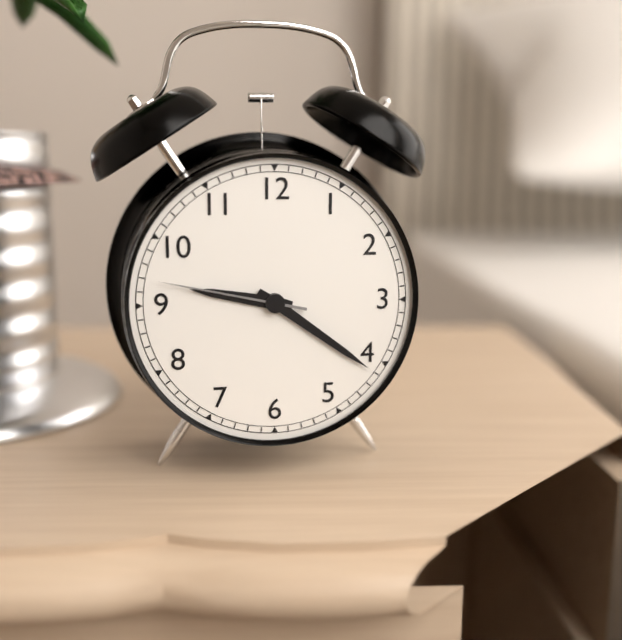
9:21:47
